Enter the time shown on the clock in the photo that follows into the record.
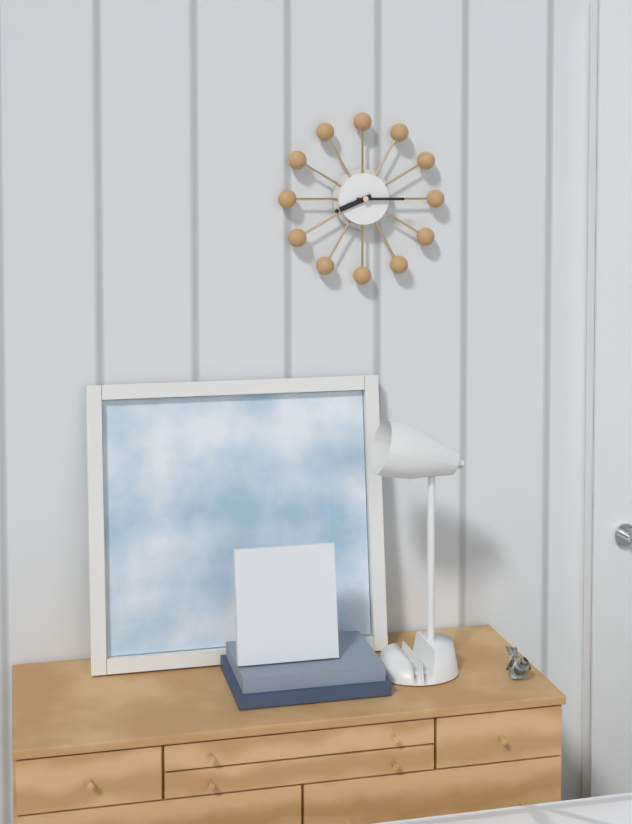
8:15
